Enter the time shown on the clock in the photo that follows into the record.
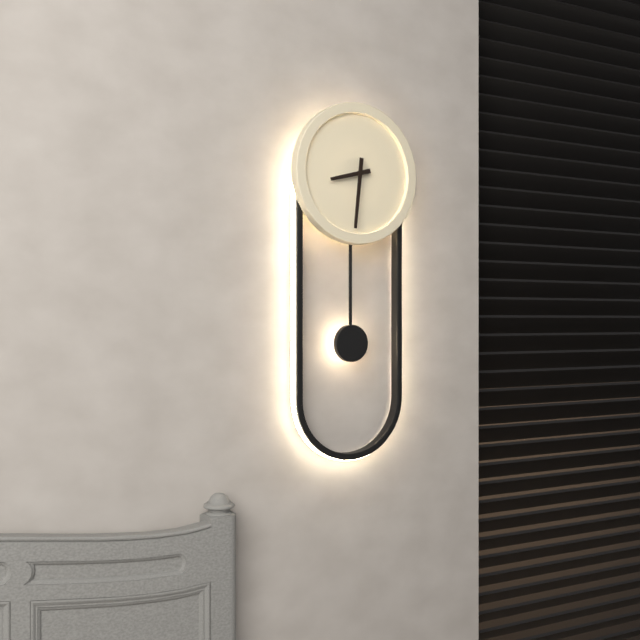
8:31
